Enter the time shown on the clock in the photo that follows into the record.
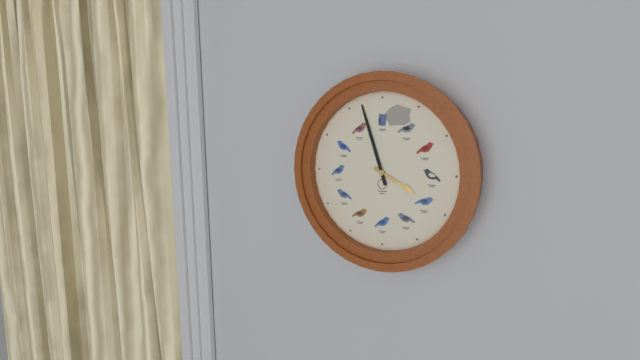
3:57
